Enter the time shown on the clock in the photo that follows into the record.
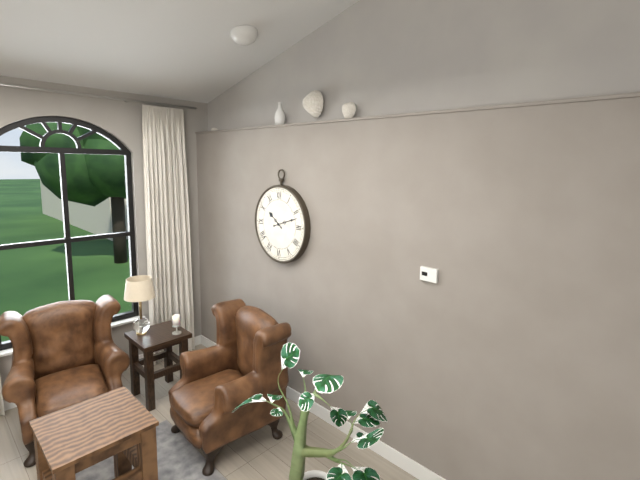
10:12
